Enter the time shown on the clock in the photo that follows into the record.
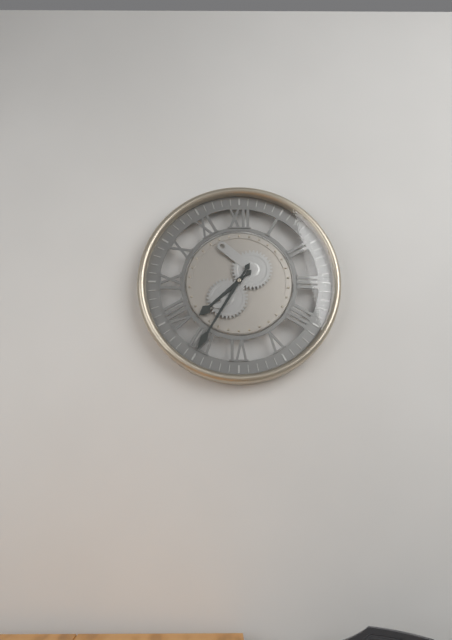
7:35
